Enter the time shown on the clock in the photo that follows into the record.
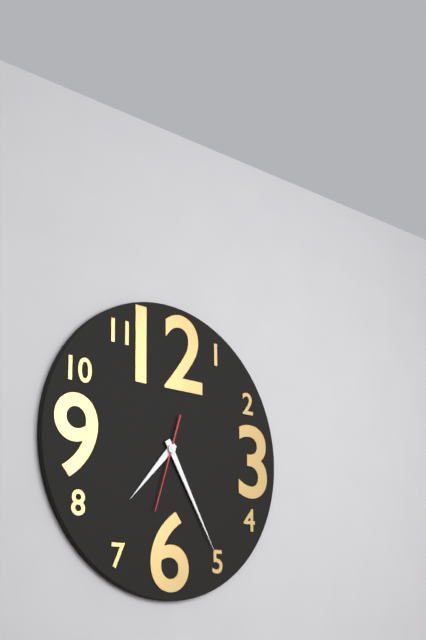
7:25:33
